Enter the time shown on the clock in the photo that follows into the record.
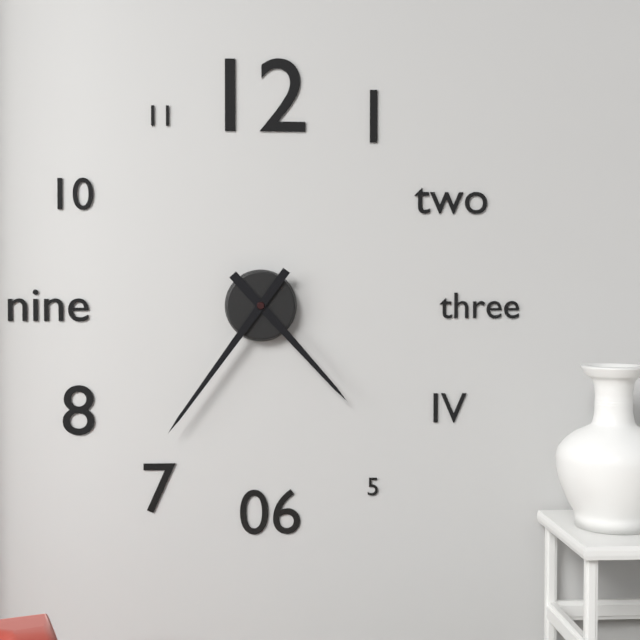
4:36
